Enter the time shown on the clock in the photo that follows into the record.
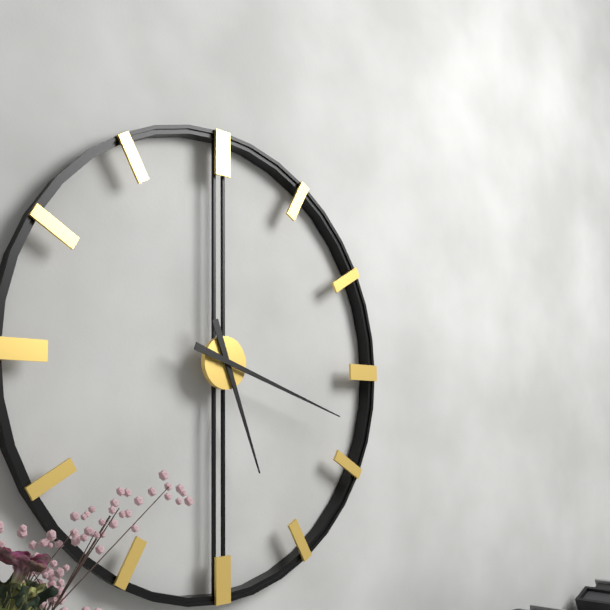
5:18
